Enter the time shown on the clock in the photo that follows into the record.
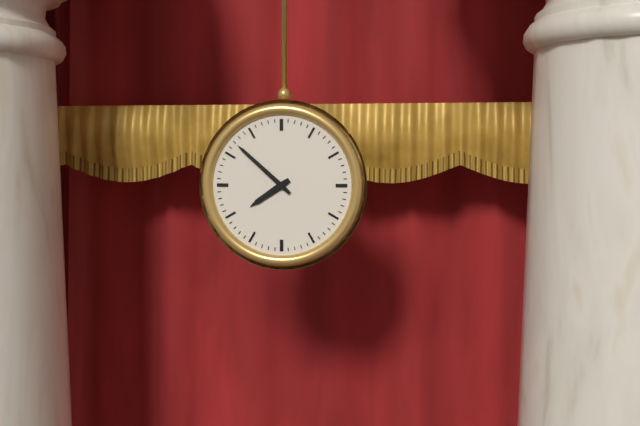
7:52
